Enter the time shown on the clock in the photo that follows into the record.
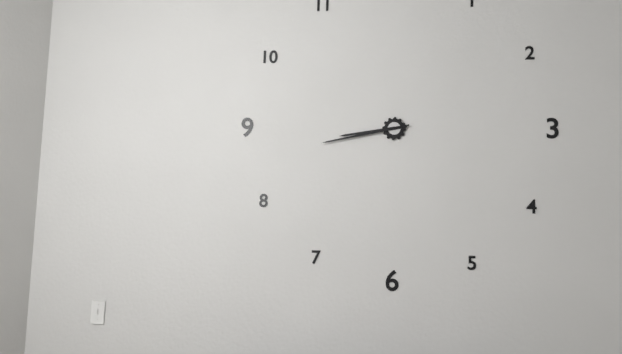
8:43
